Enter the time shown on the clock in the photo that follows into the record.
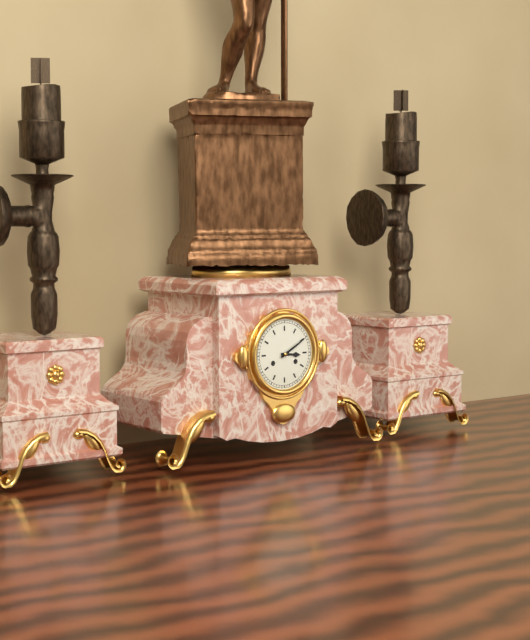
3:10
